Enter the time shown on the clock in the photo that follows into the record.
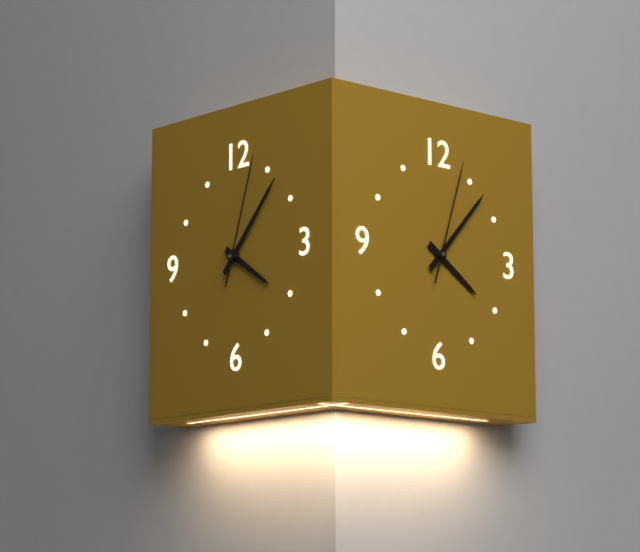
4:07:03
